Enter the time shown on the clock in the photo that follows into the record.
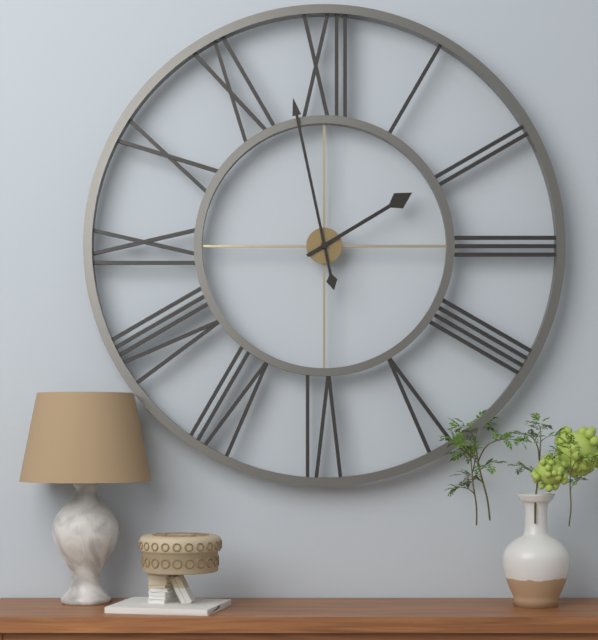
1:58
